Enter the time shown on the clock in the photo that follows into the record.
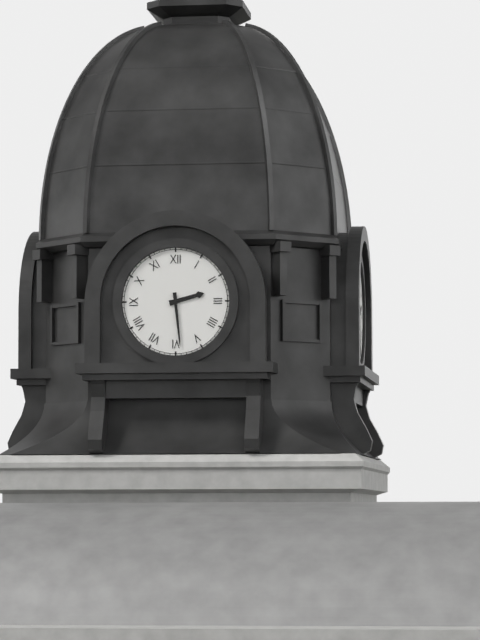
2:29
